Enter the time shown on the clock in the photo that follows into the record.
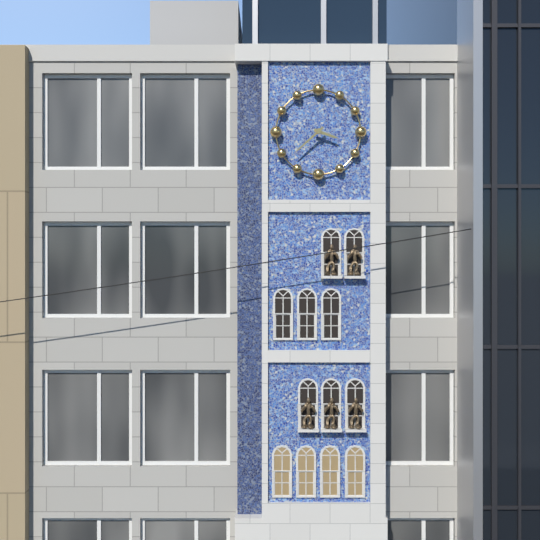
3:38
